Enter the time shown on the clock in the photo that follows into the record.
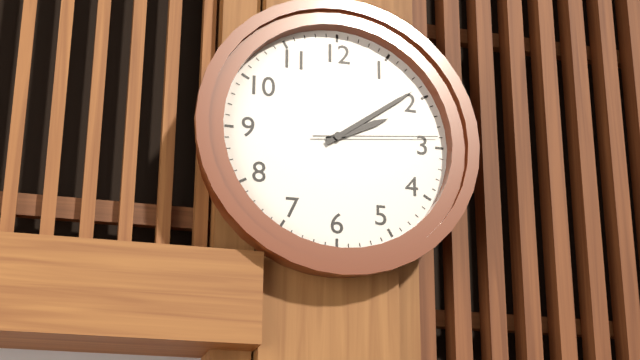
2:09:14
